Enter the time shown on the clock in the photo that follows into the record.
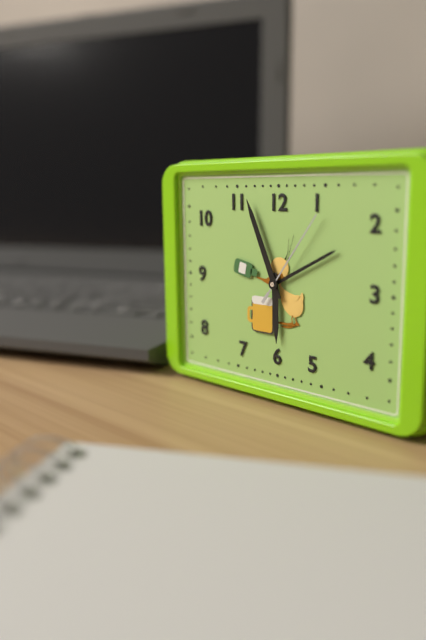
5:56:06
